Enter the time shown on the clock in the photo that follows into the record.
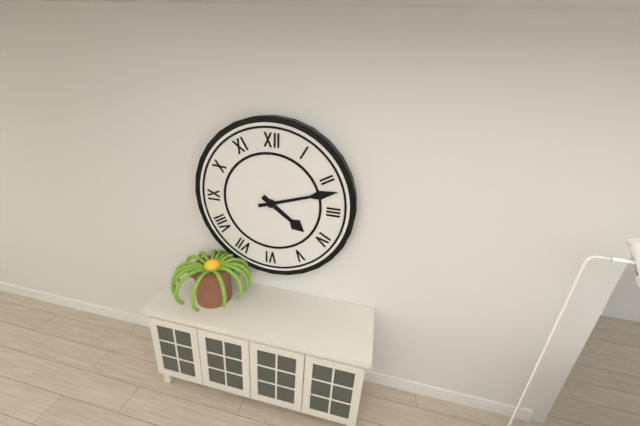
4:12
